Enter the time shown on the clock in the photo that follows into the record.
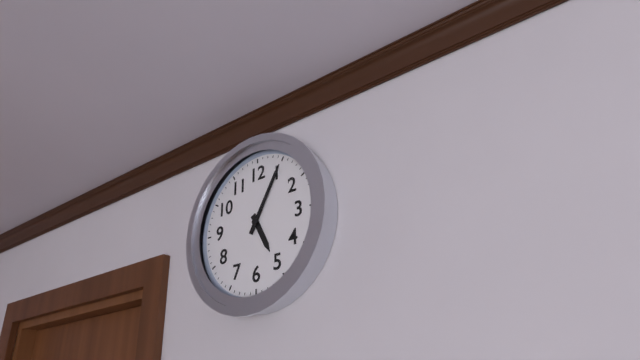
5:05
